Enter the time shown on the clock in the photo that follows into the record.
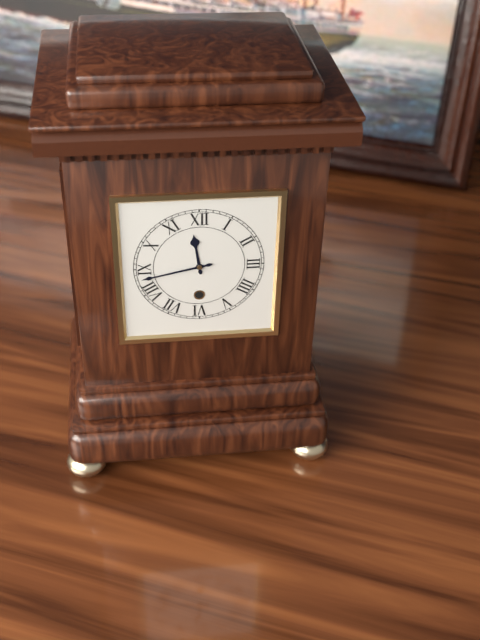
11:43
